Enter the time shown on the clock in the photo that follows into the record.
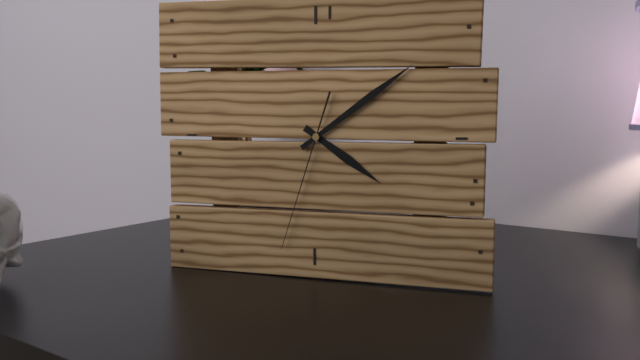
4:09:33
